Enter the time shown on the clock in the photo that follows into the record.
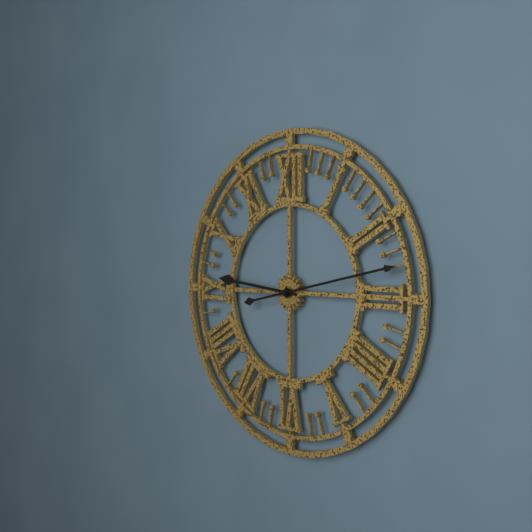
9:13
